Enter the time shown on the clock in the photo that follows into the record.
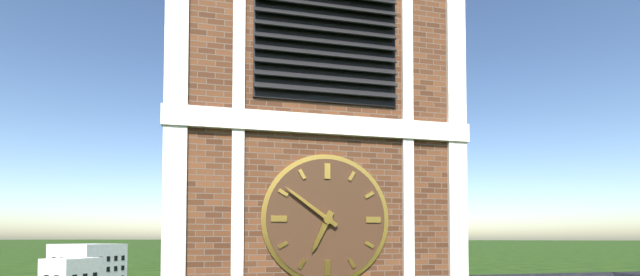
6:51
